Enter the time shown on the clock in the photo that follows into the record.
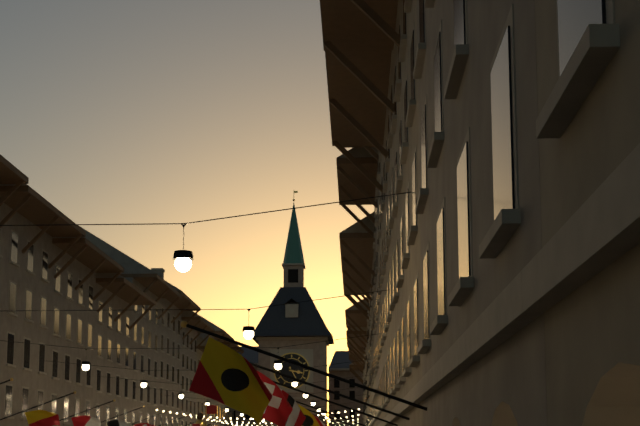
3:25
